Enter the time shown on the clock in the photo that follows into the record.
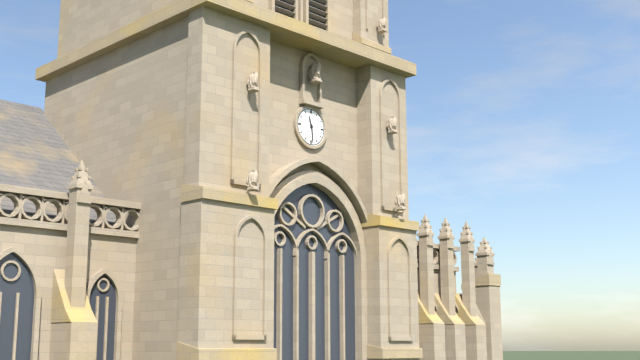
11:29
